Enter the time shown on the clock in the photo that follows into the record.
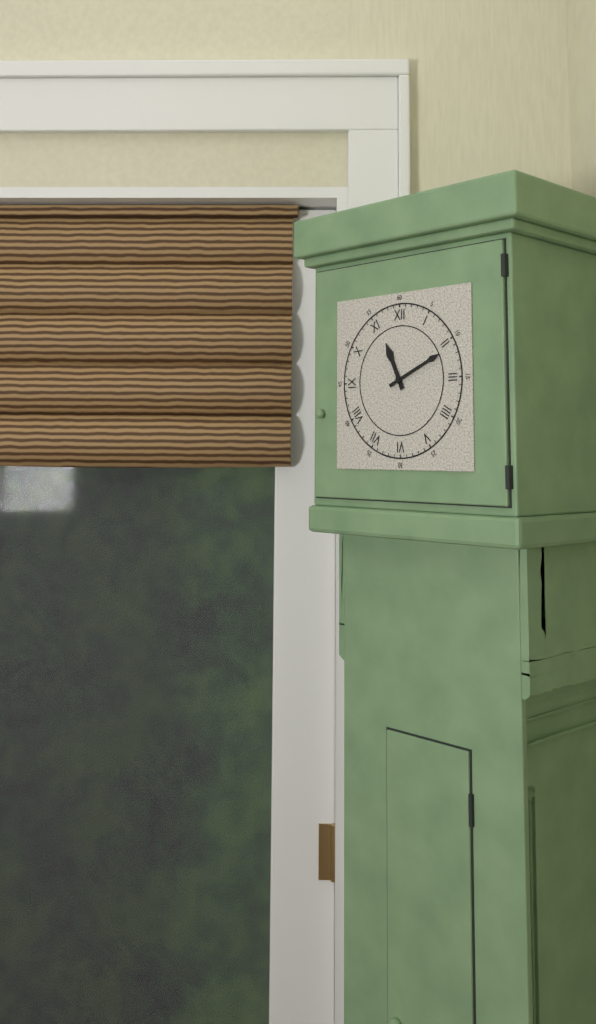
11:11
